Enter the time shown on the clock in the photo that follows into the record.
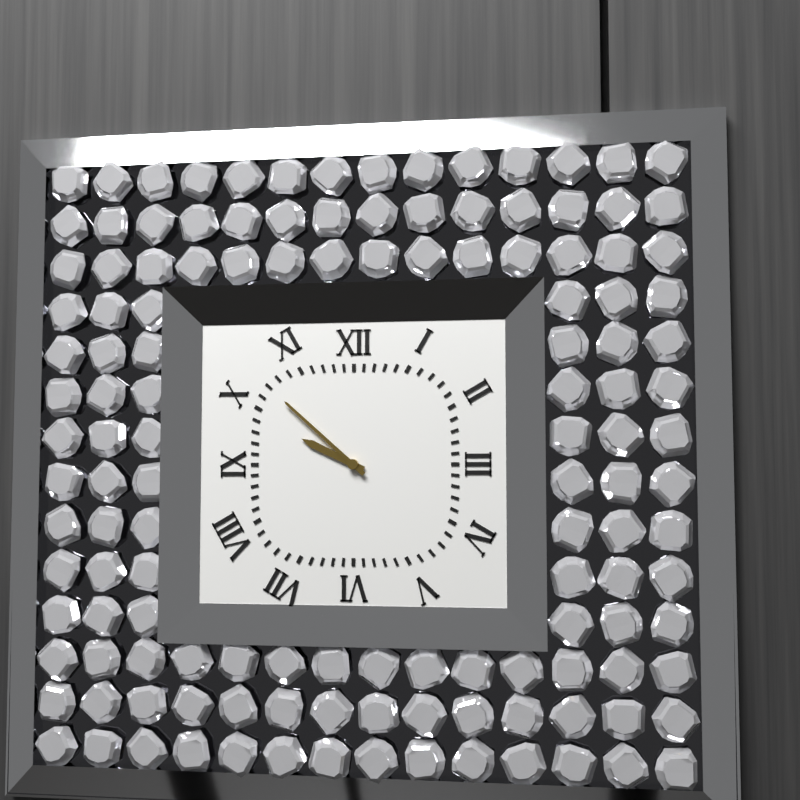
9:52
